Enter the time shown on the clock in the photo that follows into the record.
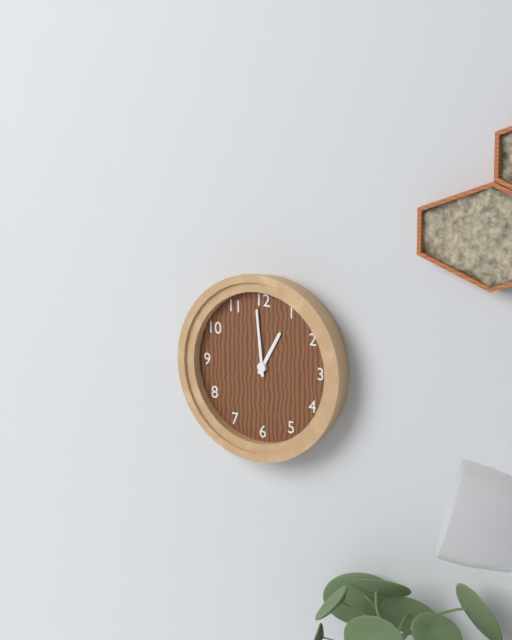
12:59
